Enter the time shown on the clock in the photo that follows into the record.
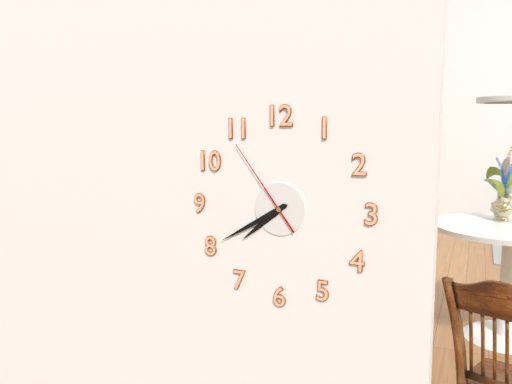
7:40:54
